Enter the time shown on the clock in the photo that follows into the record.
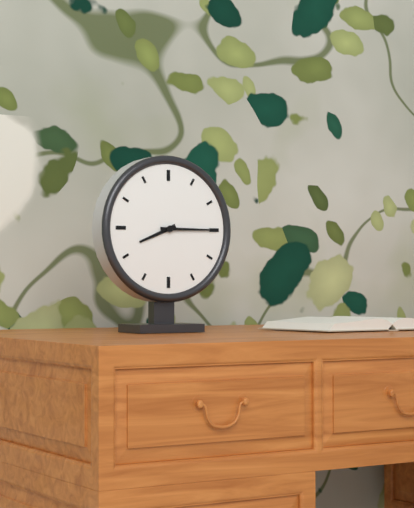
8:15
